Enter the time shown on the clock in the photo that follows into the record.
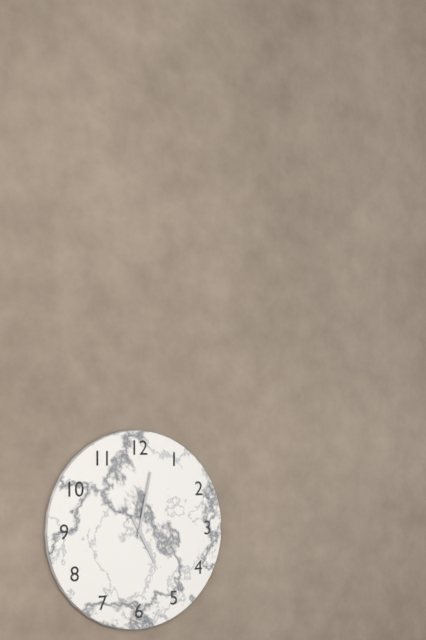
5:02
